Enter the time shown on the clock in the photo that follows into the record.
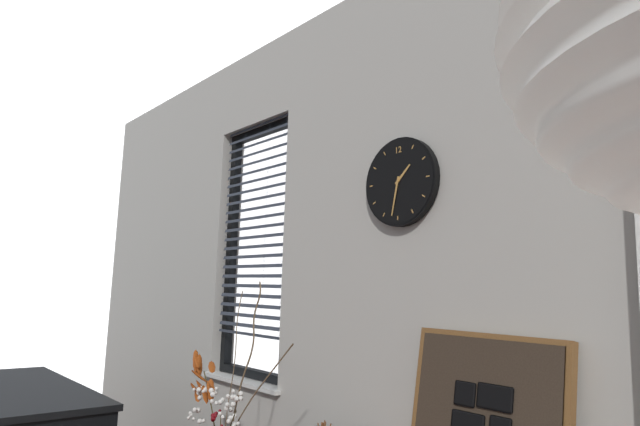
1:32
